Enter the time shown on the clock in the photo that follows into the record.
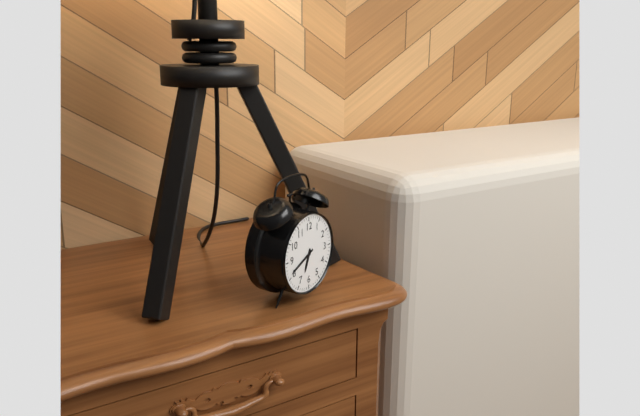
6:41
